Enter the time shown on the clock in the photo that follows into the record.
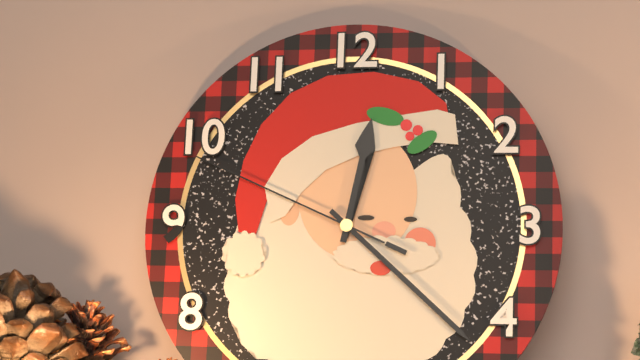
12:22:49
